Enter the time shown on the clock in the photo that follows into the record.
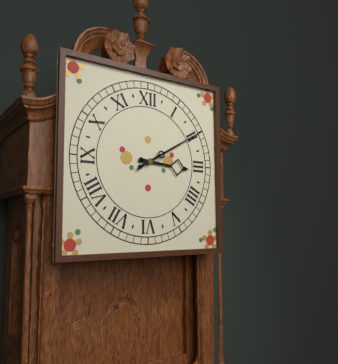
3:10
